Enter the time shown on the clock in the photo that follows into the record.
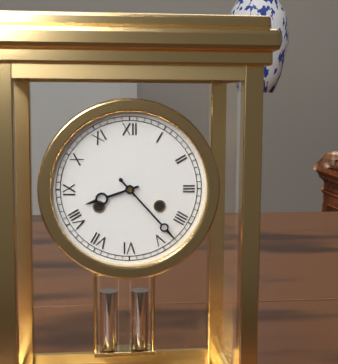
8:23
